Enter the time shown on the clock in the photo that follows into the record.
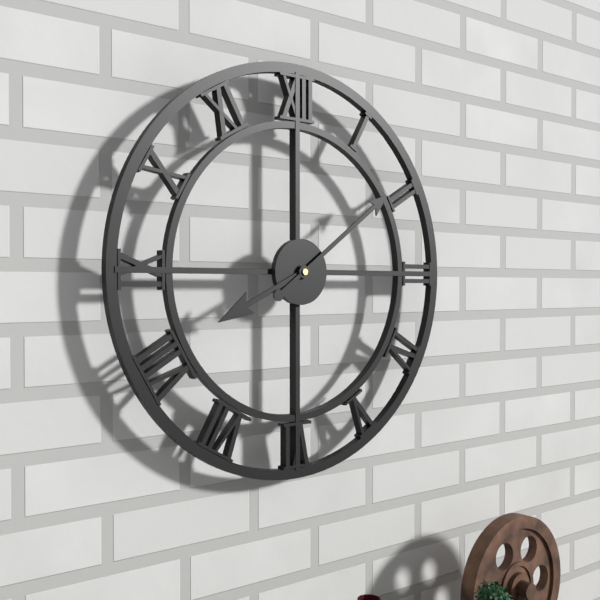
8:09
